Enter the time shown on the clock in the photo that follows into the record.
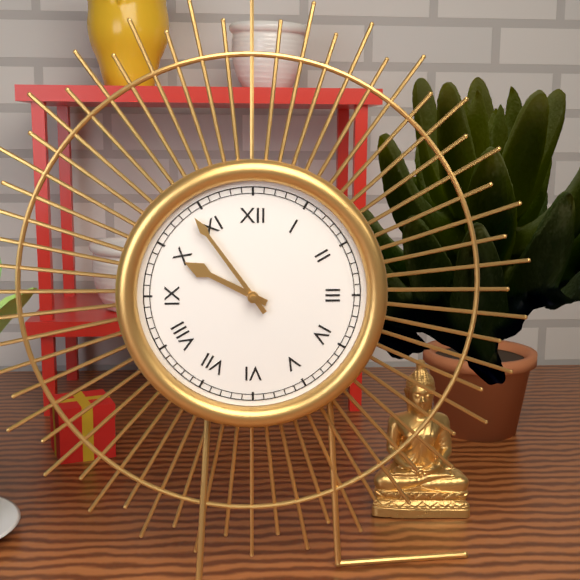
9:54
